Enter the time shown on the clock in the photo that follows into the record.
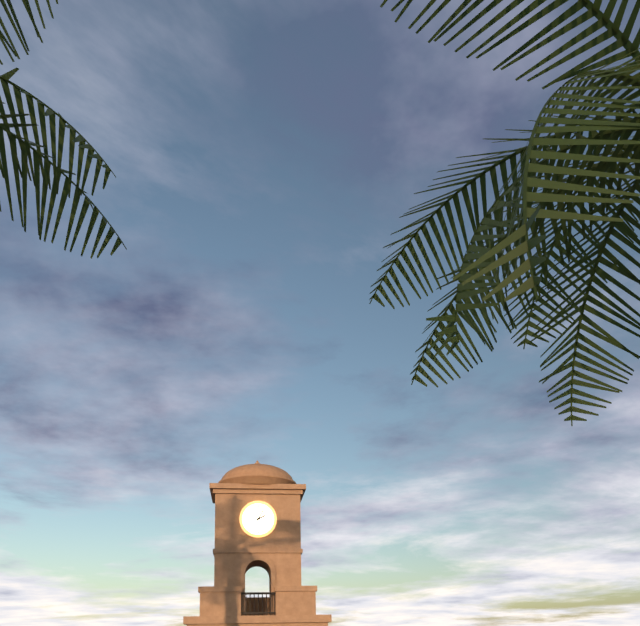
2:05
